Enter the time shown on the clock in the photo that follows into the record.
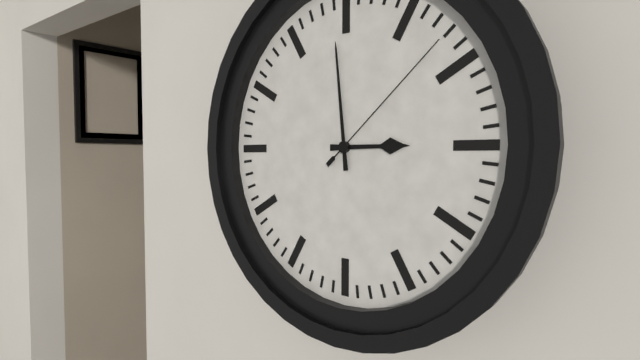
2:59:08
